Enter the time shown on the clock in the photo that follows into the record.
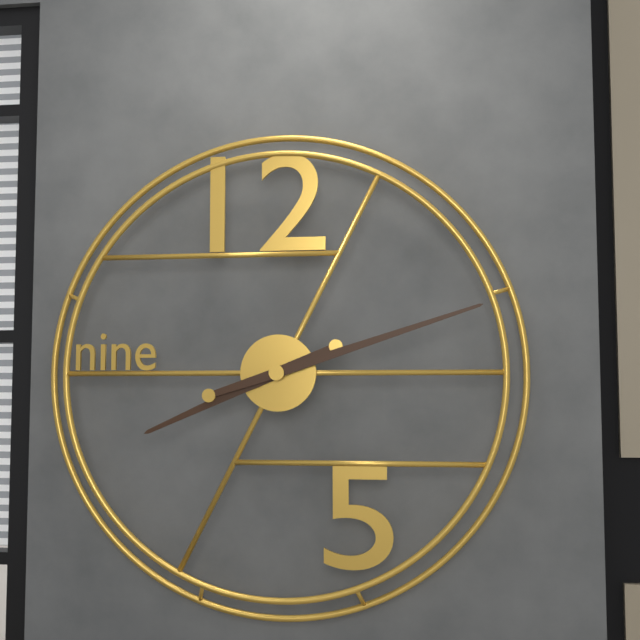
8:12
